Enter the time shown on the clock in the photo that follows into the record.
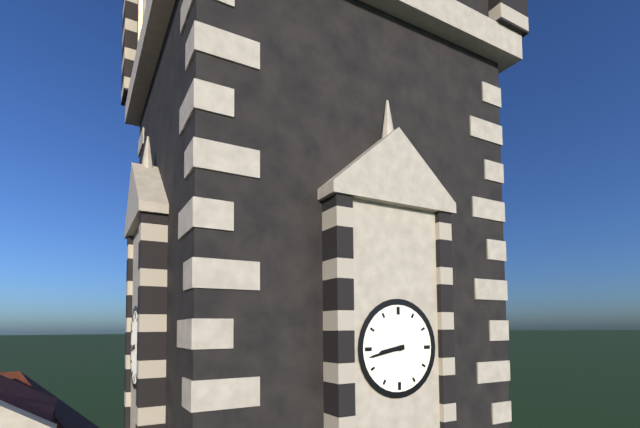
8:43
